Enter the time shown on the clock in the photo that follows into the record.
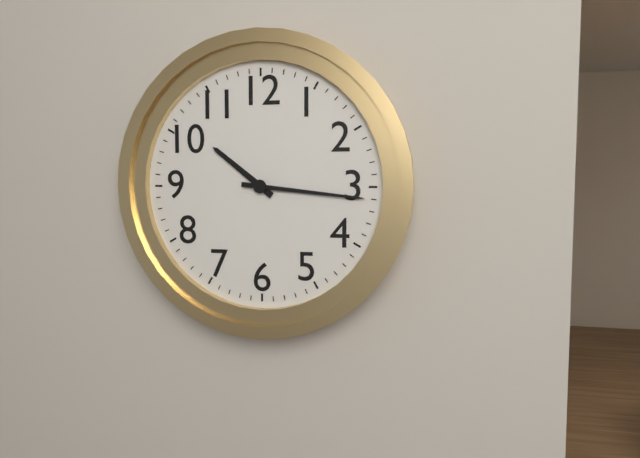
10:16
